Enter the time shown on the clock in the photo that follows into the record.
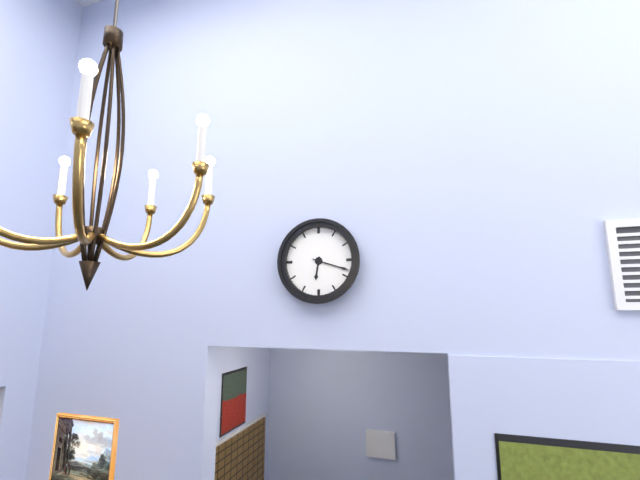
6:18
